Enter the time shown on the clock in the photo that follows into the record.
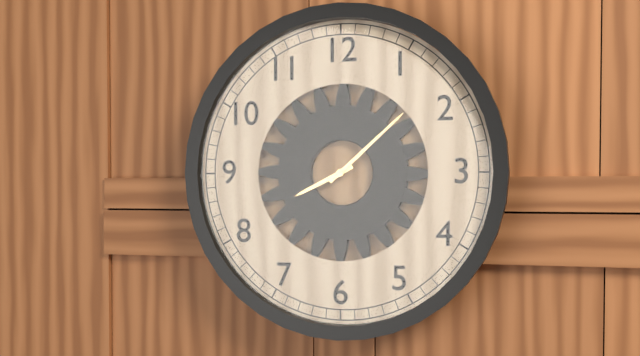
8:08
